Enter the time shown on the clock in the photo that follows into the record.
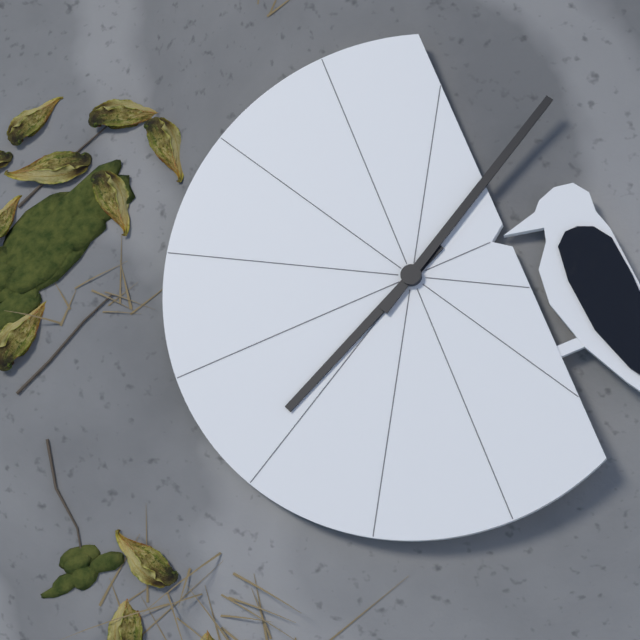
8:10
